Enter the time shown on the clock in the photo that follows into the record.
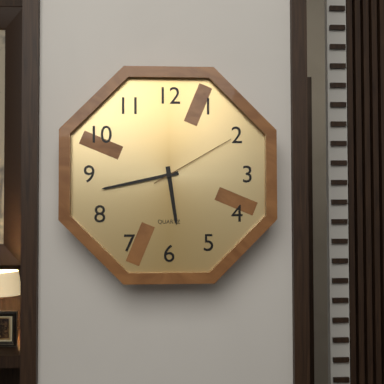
5:43:10
